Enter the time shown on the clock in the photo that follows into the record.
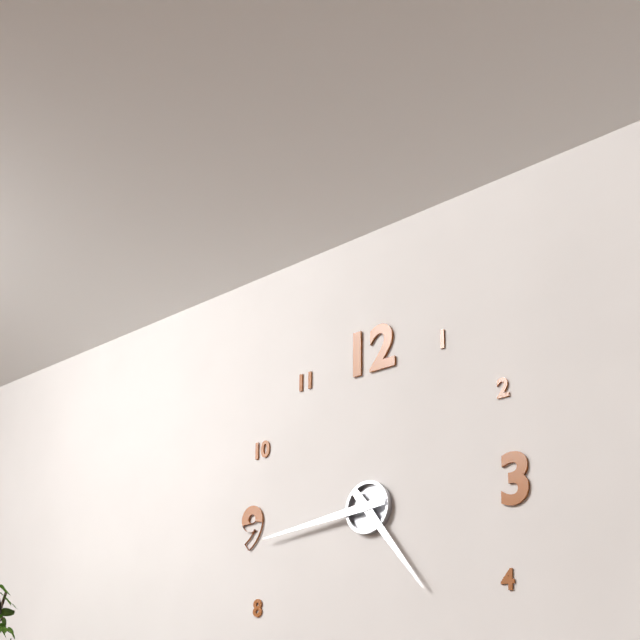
4:44
